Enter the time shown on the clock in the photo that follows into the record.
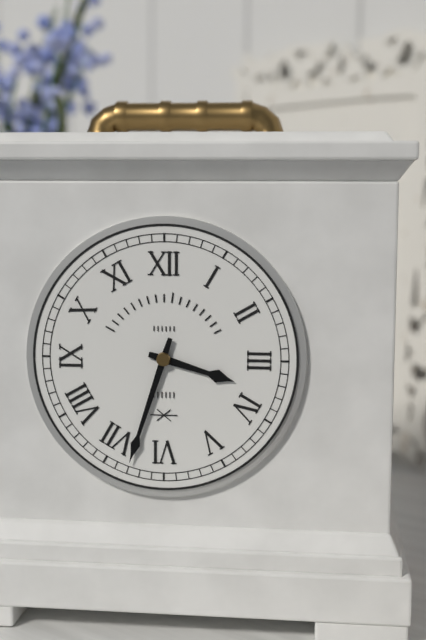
3:33
